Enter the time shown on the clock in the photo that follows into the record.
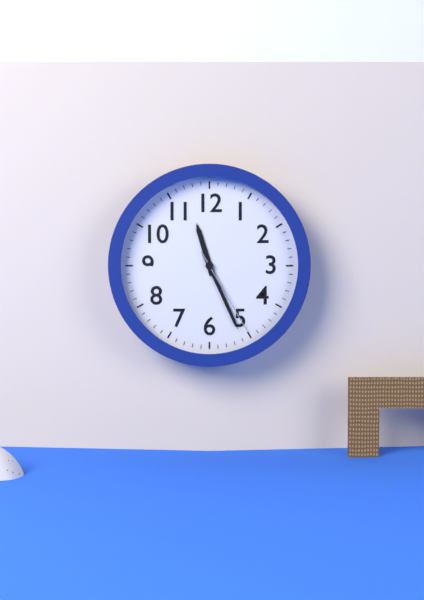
11:26:25
